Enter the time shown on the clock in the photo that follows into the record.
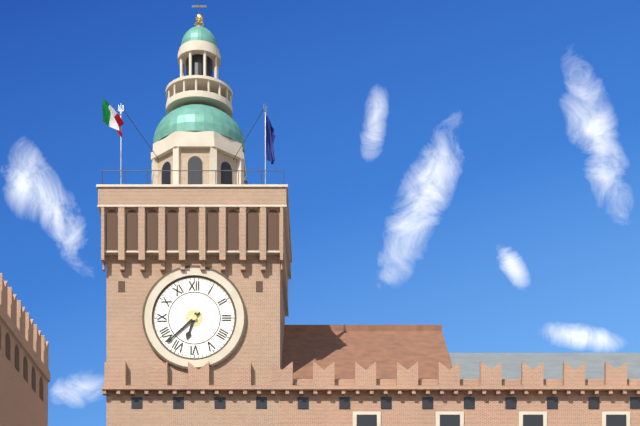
6:38
